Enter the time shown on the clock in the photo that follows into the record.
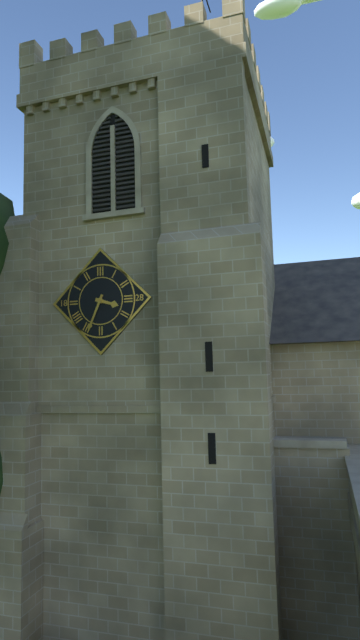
3:34
